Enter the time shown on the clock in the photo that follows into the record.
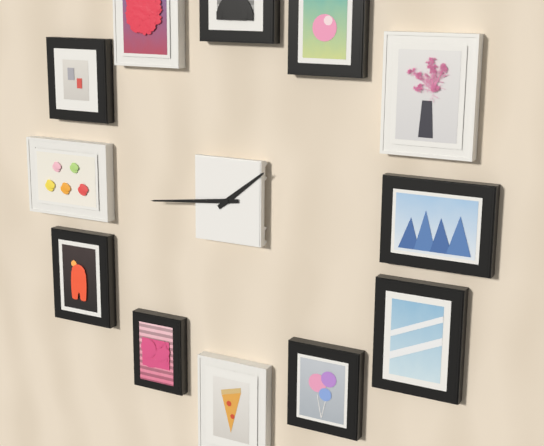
1:44
